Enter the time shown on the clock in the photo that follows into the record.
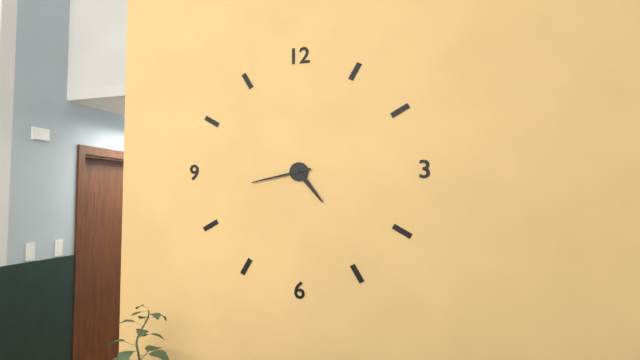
4:43
